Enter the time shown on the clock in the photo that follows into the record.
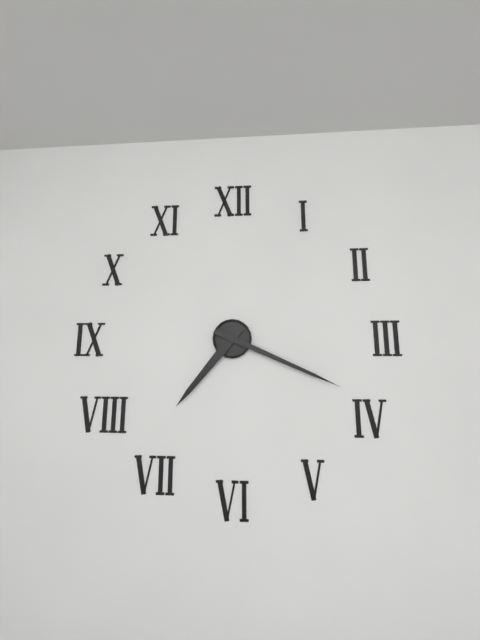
7:19
